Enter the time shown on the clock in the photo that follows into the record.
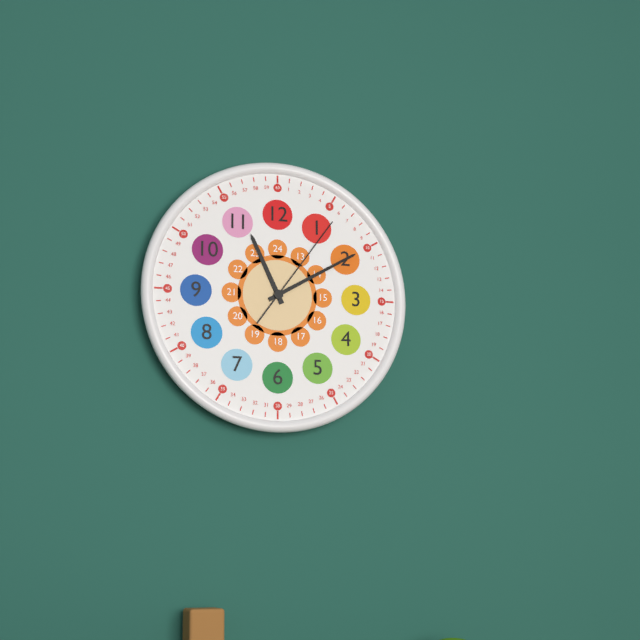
11:10:06
